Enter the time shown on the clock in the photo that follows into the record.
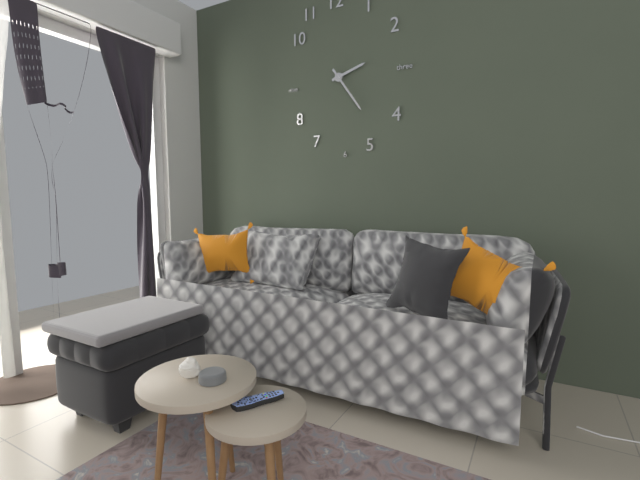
2:24
